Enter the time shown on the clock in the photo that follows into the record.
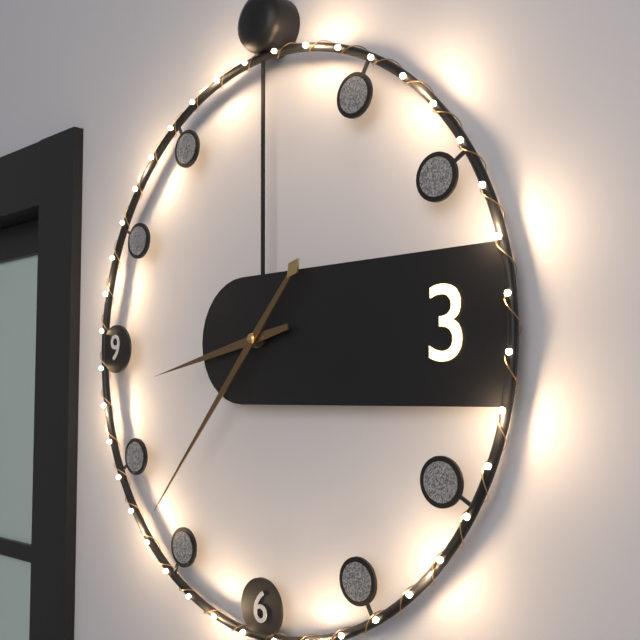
8:37
